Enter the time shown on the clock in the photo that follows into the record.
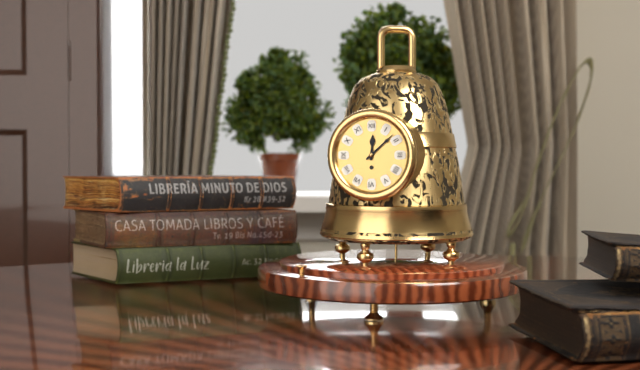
12:08
